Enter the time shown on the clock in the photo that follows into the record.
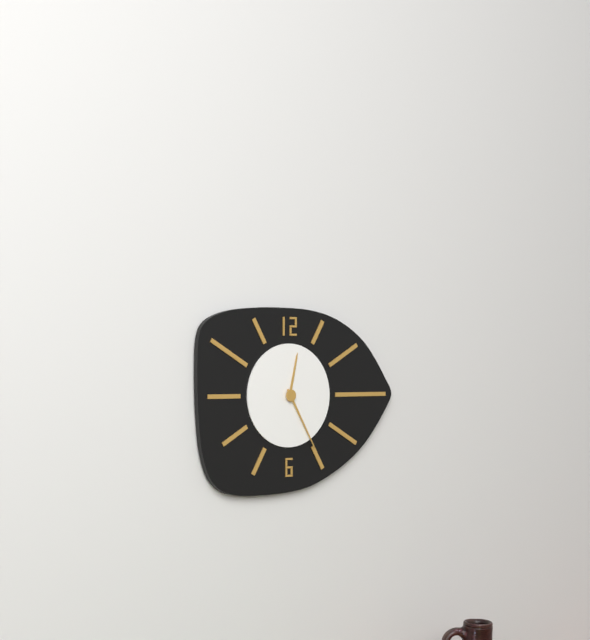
12:25
